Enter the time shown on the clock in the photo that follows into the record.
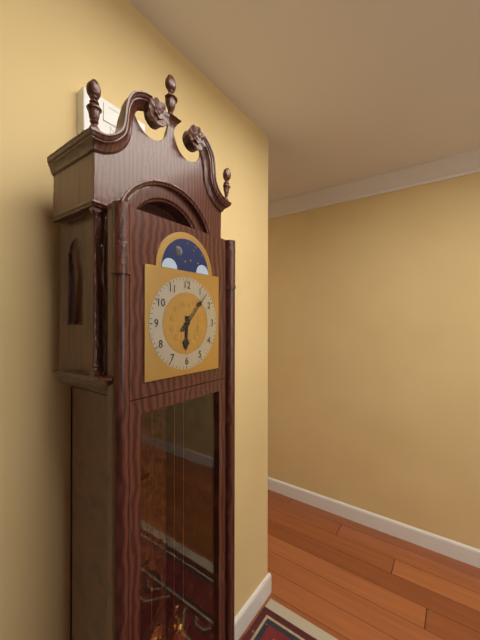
6:07
